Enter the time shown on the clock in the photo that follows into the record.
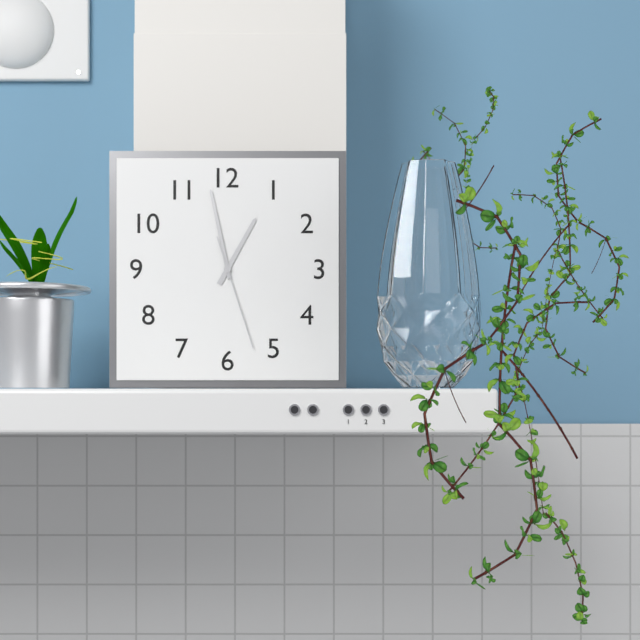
12:58:27
